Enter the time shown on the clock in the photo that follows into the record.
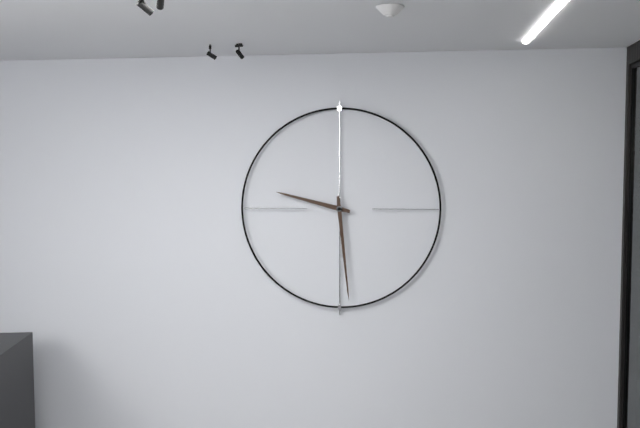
9:29
